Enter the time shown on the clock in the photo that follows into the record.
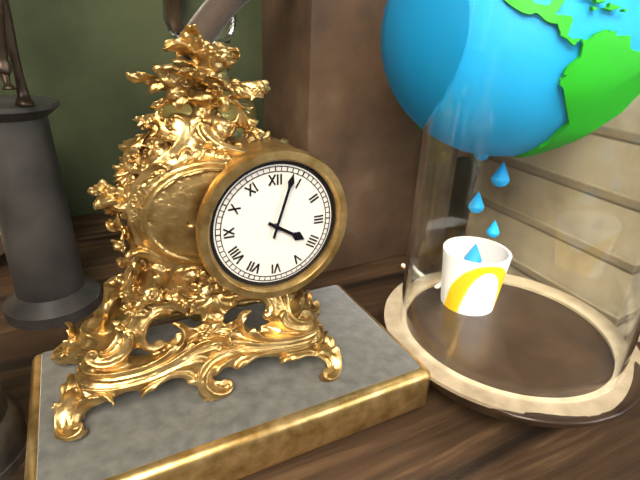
4:03
